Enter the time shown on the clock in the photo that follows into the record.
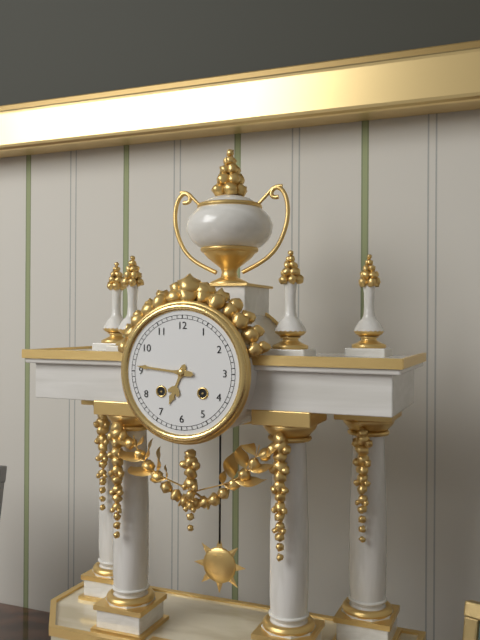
6:46
